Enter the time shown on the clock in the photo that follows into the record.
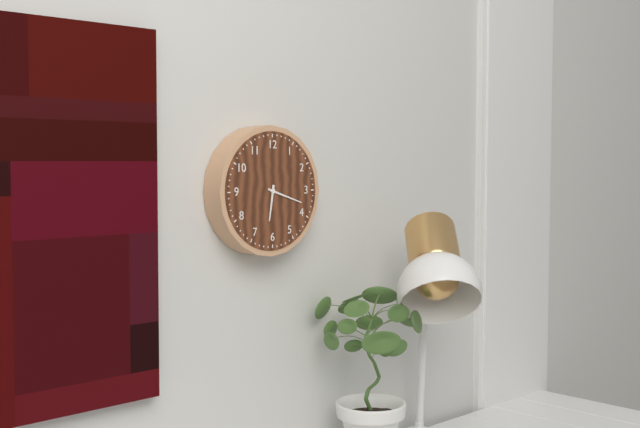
6:18
